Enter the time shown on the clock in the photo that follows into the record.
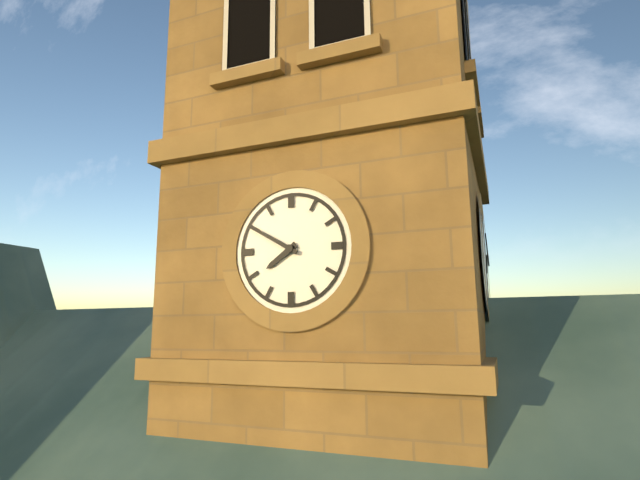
7:50
